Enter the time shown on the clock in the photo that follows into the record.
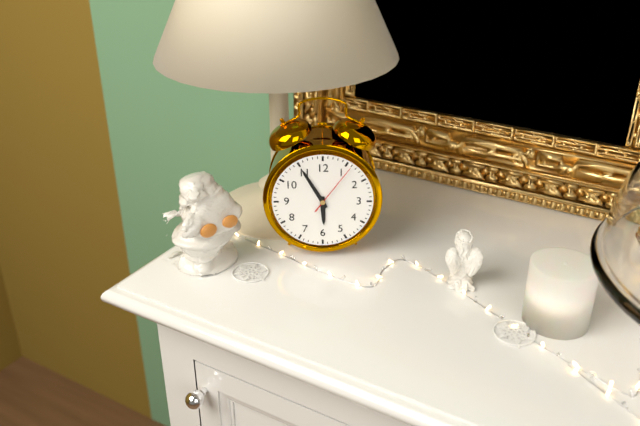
5:55:06
